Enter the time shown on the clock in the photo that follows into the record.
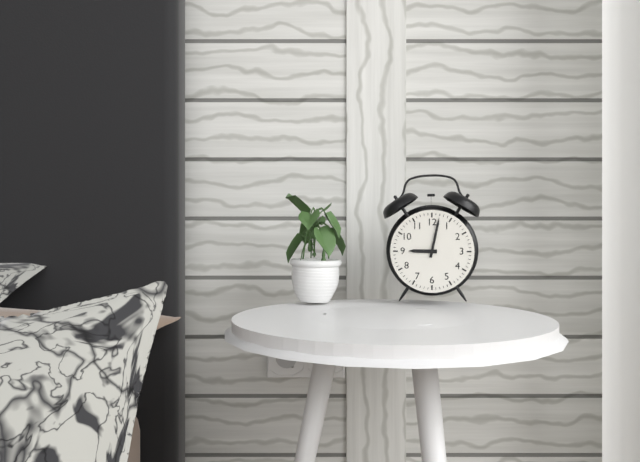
9:02
